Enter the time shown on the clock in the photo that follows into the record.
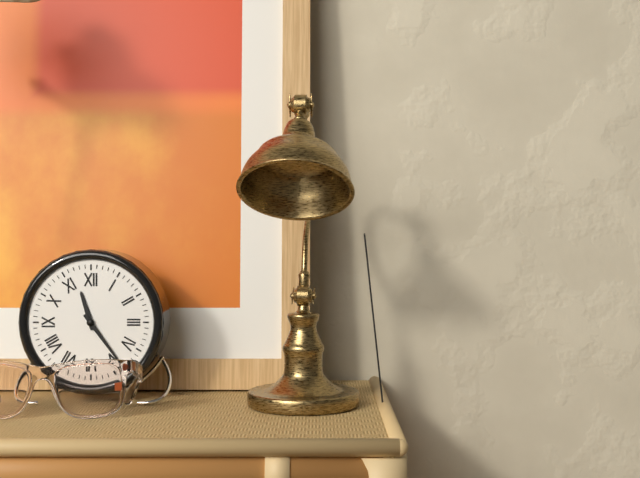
11:24
